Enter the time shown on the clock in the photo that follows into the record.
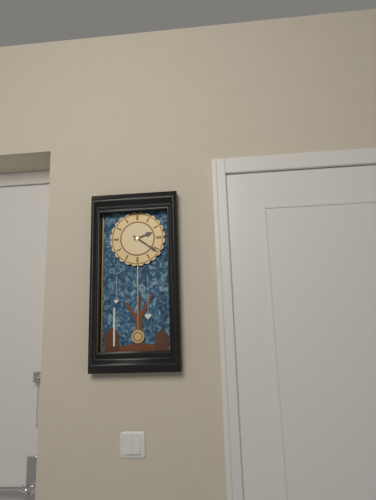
2:21
